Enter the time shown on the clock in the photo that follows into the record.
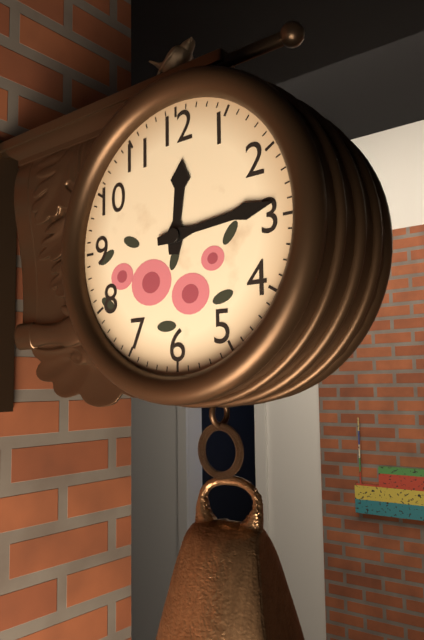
12:14
